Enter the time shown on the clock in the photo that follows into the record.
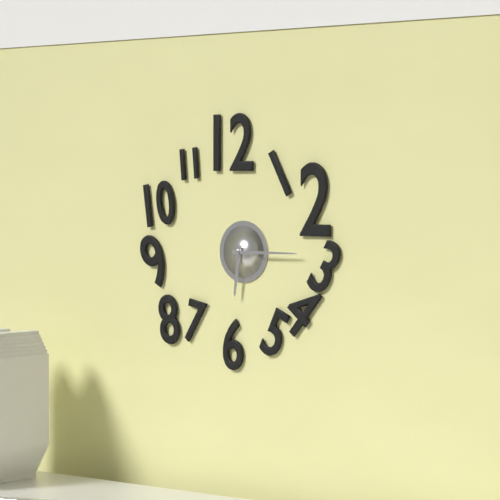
6:15
